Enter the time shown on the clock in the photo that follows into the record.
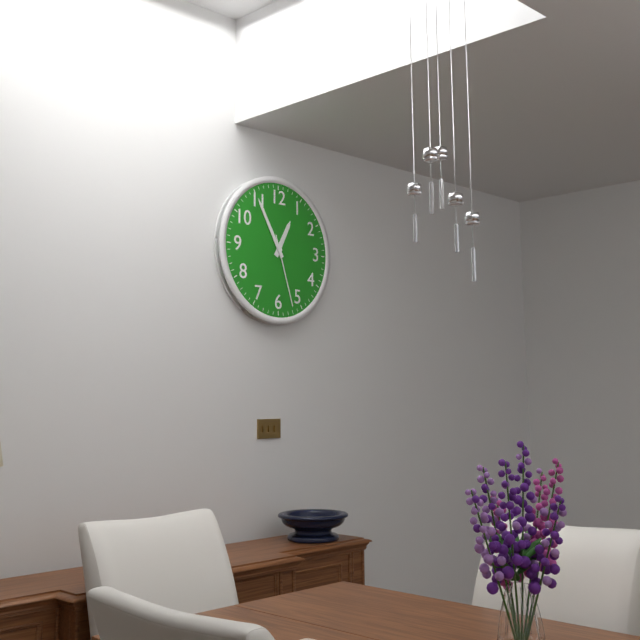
12:55:27
